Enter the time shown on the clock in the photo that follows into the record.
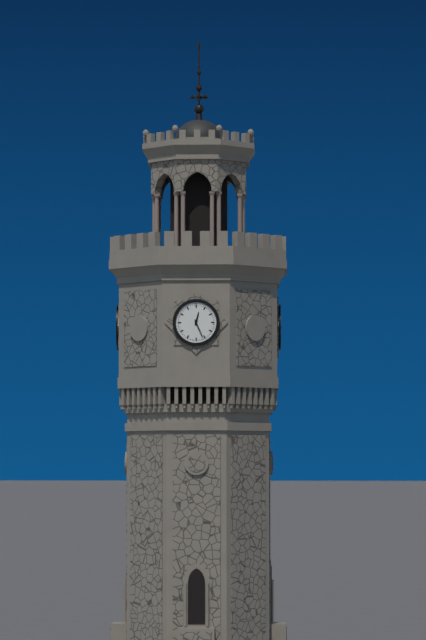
12:26
